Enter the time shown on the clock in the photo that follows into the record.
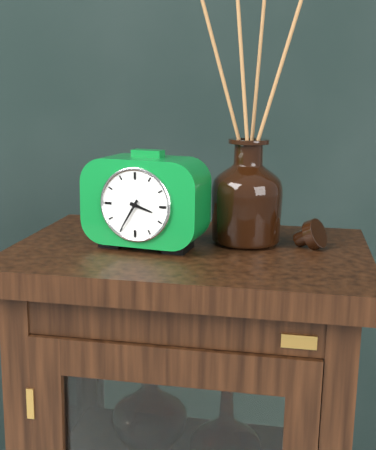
3:35
